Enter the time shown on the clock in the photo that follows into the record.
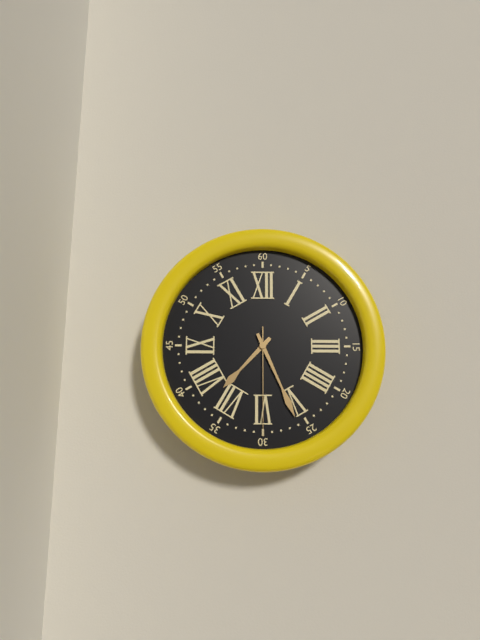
7:26:30
